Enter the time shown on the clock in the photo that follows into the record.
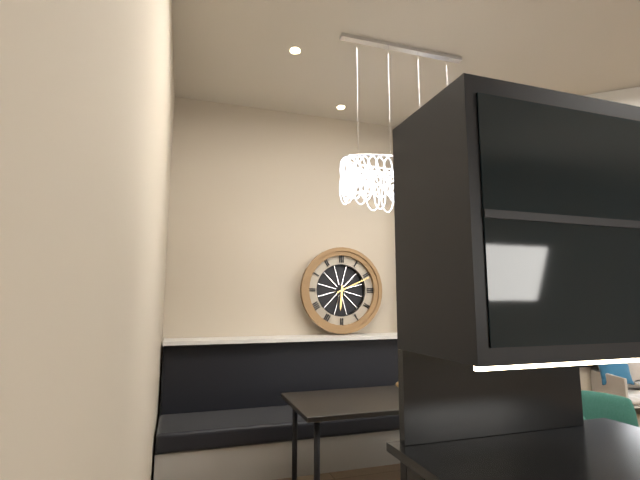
6:11
